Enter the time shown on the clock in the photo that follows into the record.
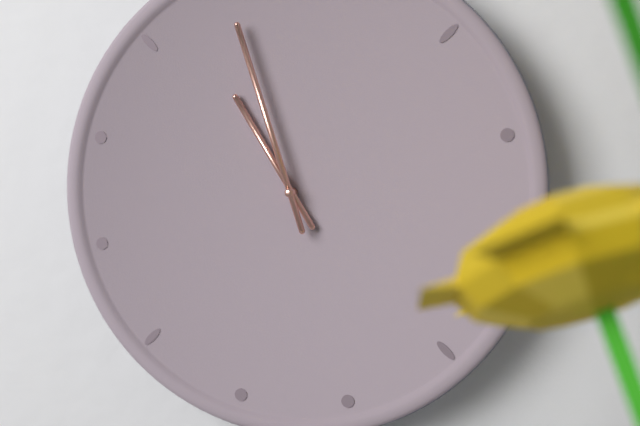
10:57
